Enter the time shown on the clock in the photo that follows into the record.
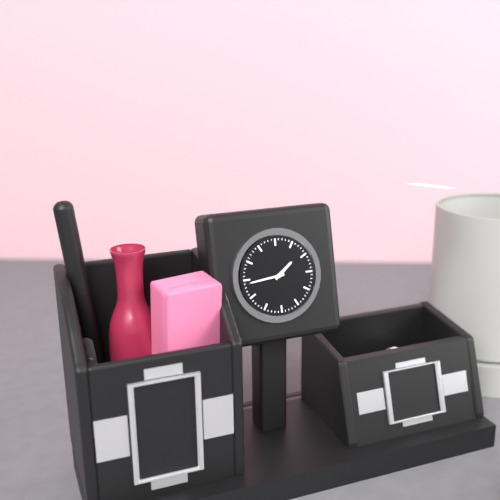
1:44
